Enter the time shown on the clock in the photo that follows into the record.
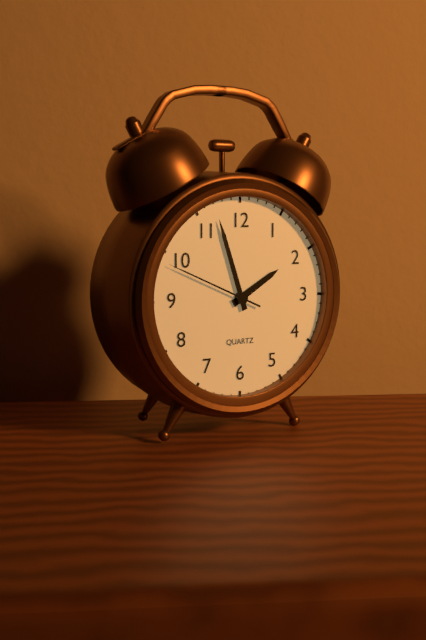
1:57:49
